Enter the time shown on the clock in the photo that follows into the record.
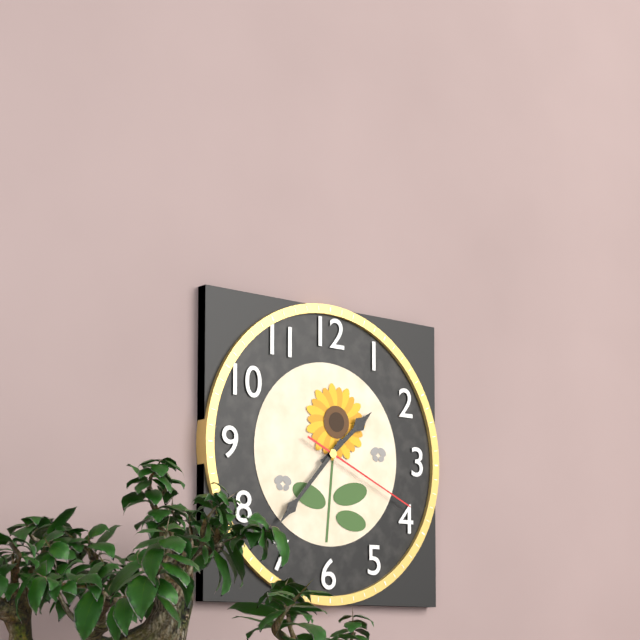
1:37:19
